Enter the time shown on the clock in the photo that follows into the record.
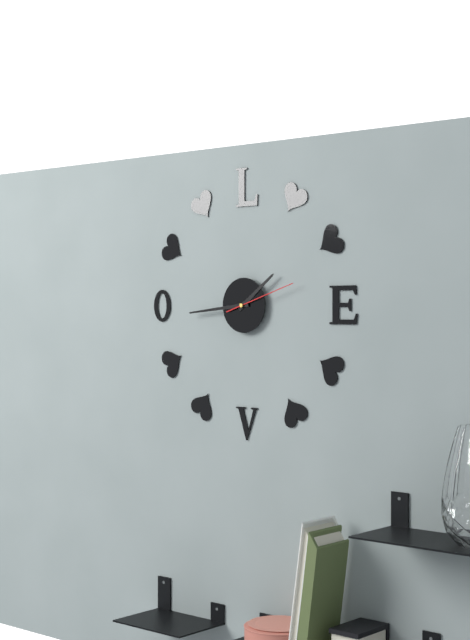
1:44:12
